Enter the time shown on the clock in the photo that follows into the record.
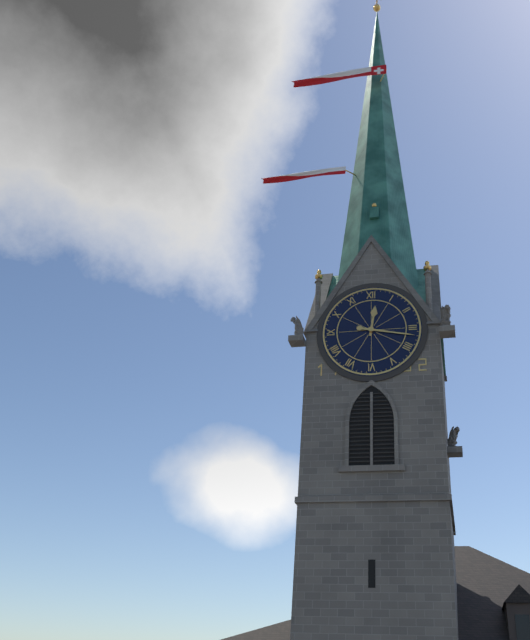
12:17
